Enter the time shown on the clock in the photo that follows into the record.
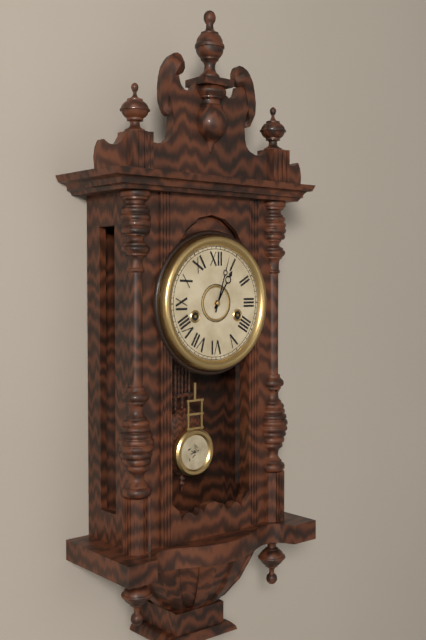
1:03
